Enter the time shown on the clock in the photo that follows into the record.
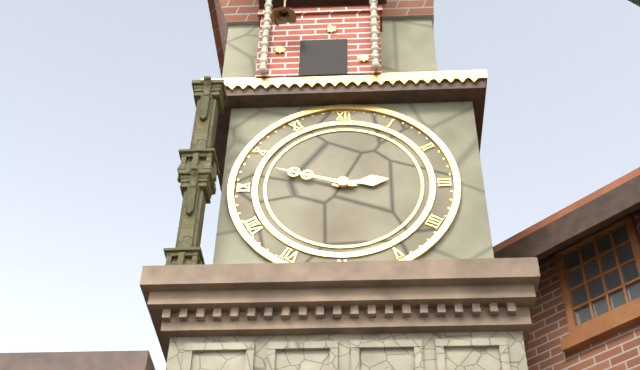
2:48
